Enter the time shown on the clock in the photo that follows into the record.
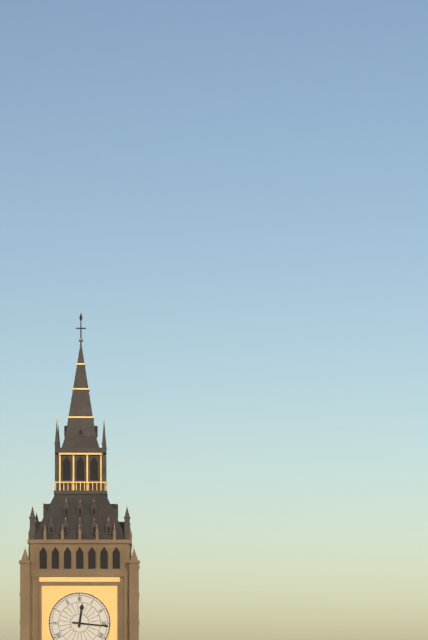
12:16
